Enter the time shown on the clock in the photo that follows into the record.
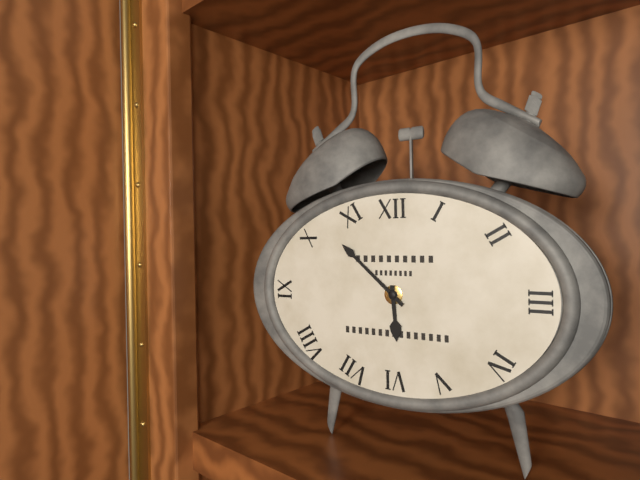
5:52
